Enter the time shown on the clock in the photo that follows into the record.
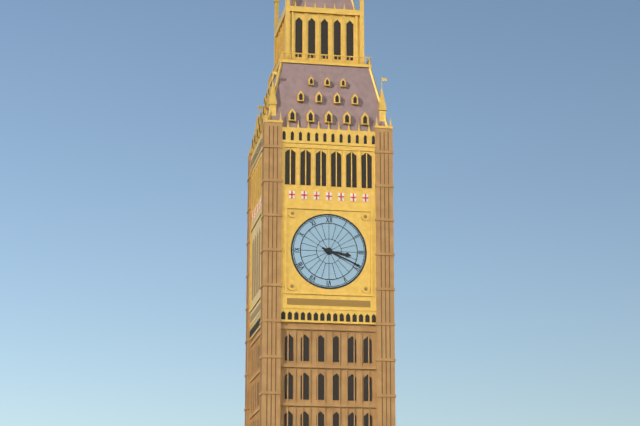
3:19
